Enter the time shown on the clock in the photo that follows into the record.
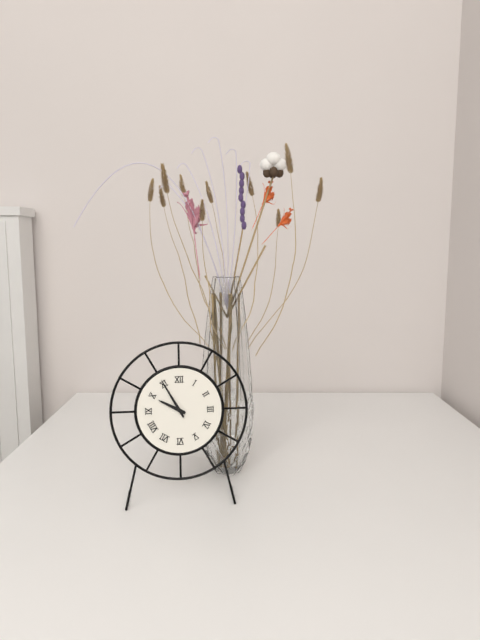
9:55
